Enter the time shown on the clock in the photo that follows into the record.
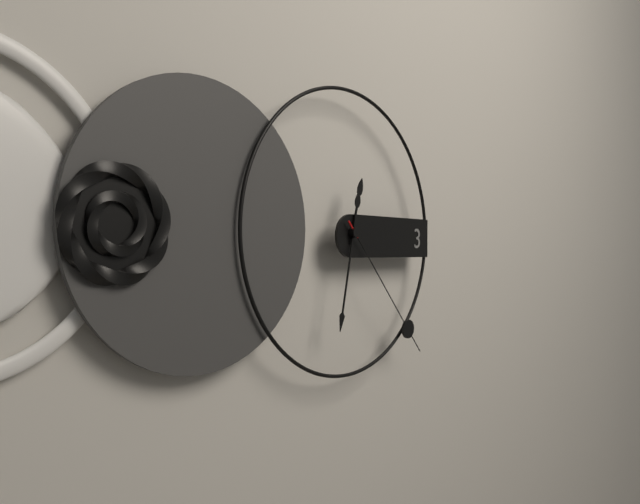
12:32:23
